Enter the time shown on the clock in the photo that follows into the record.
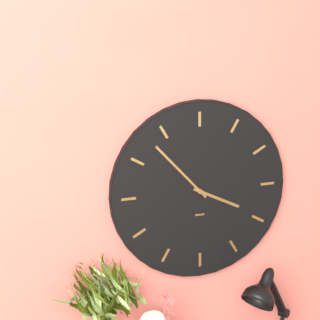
3:53
